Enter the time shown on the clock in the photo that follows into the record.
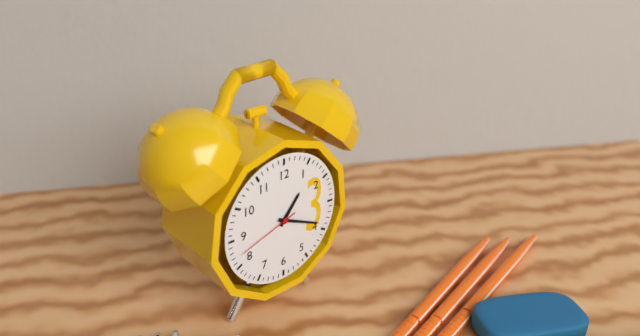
1:19:42
